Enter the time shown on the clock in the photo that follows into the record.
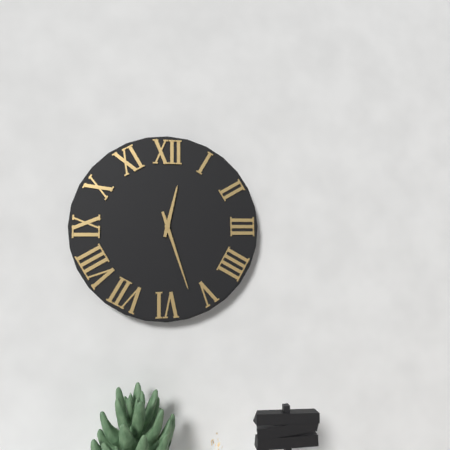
12:27
